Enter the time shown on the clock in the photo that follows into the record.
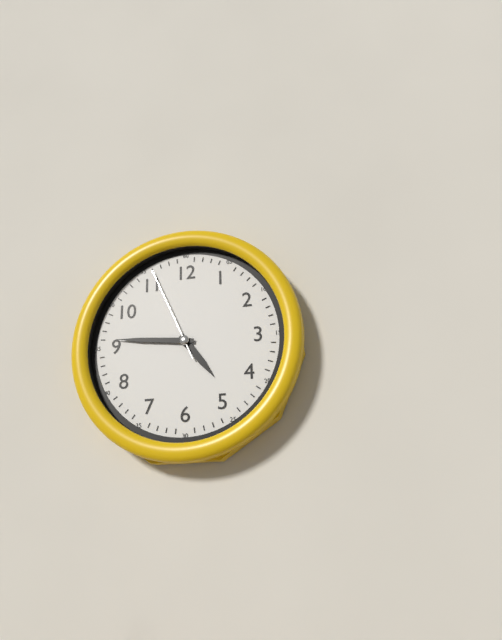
4:46:56
